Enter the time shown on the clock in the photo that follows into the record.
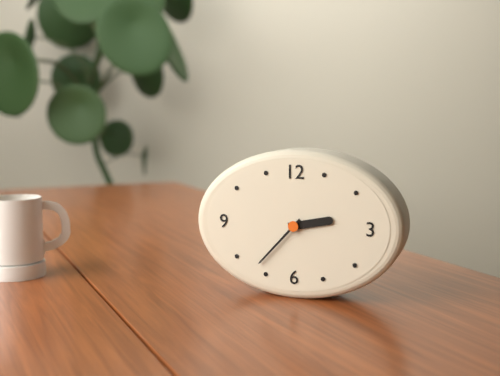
2:37
